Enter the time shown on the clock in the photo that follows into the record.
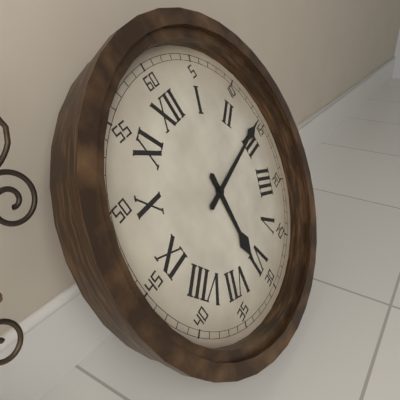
6:14
